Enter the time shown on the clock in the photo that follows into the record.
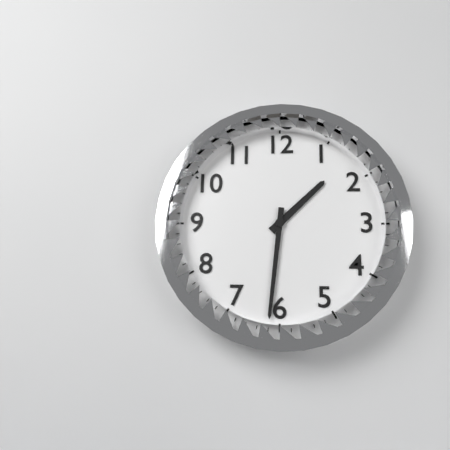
1:31
